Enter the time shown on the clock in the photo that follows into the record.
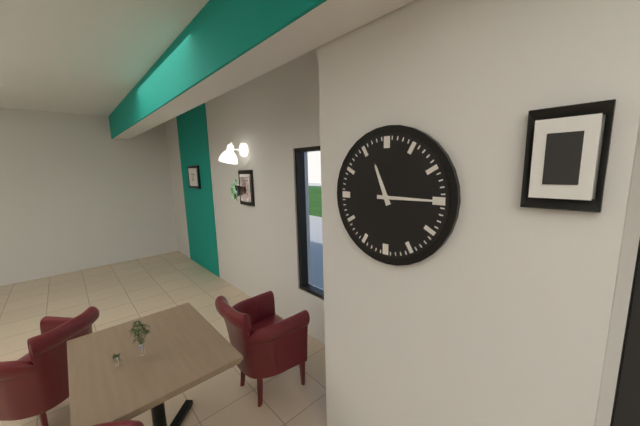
11:15
